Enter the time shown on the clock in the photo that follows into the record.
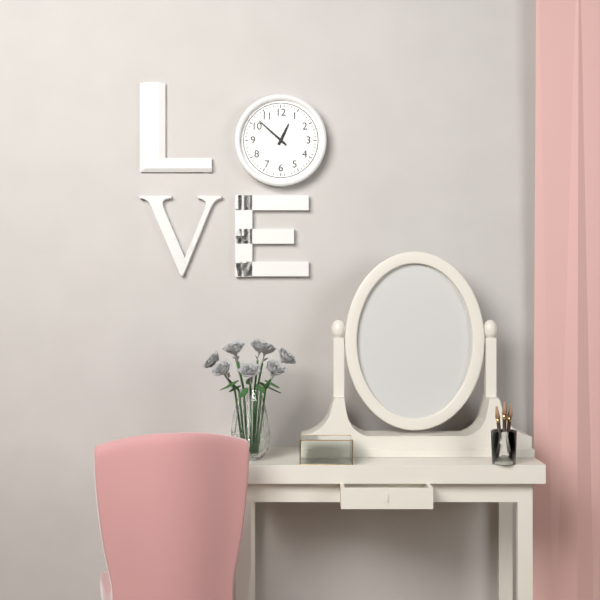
12:52
